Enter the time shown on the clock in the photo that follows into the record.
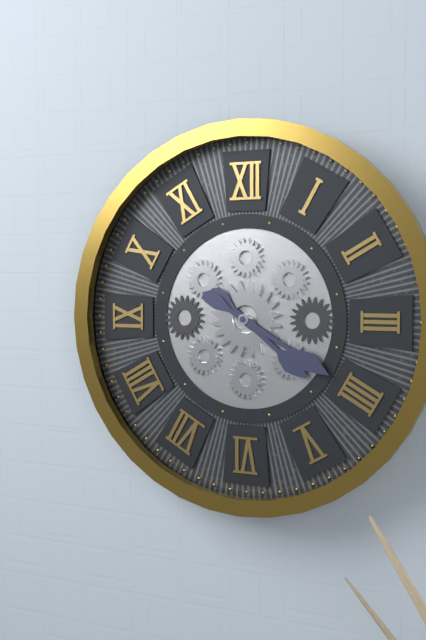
4:20
